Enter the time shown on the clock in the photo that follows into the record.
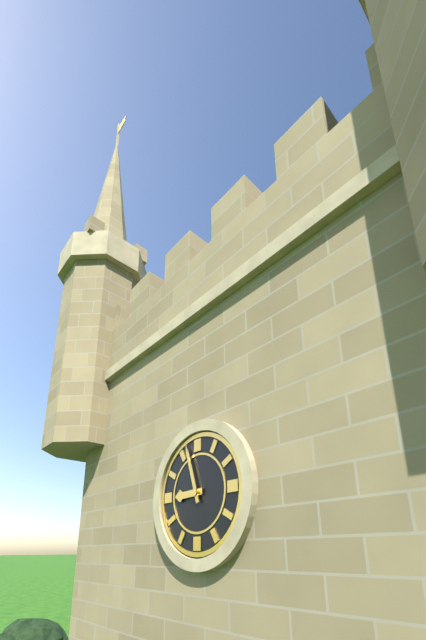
8:57
